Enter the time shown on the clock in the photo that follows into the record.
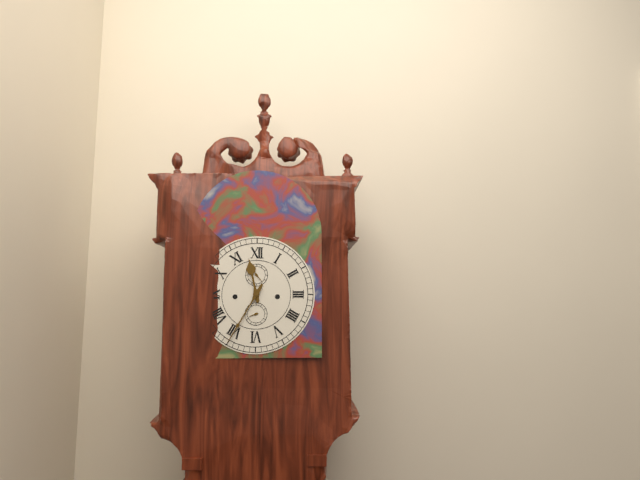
11:35
